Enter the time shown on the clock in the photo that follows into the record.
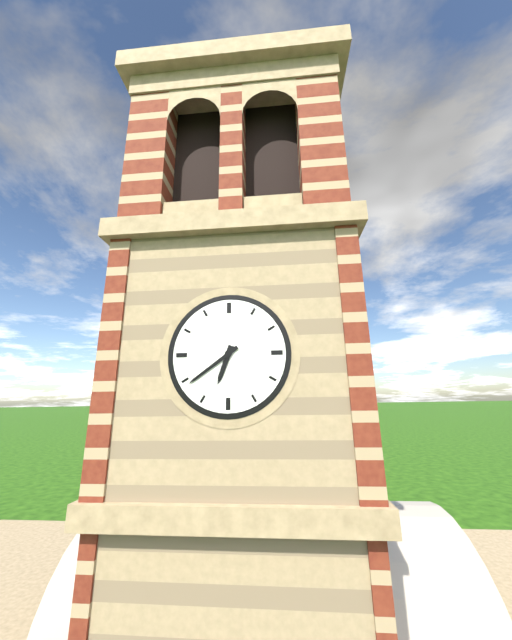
6:39
